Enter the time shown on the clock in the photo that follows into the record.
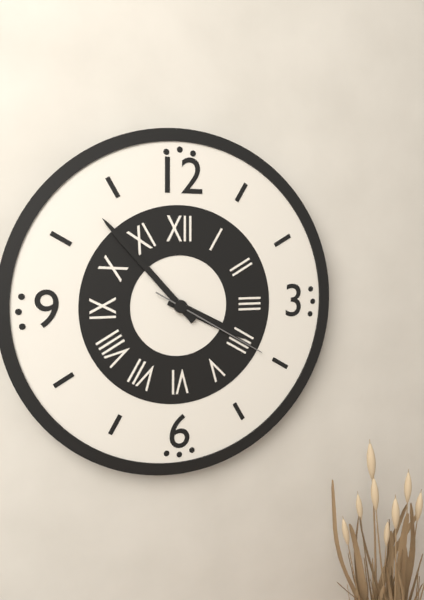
3:53:20
